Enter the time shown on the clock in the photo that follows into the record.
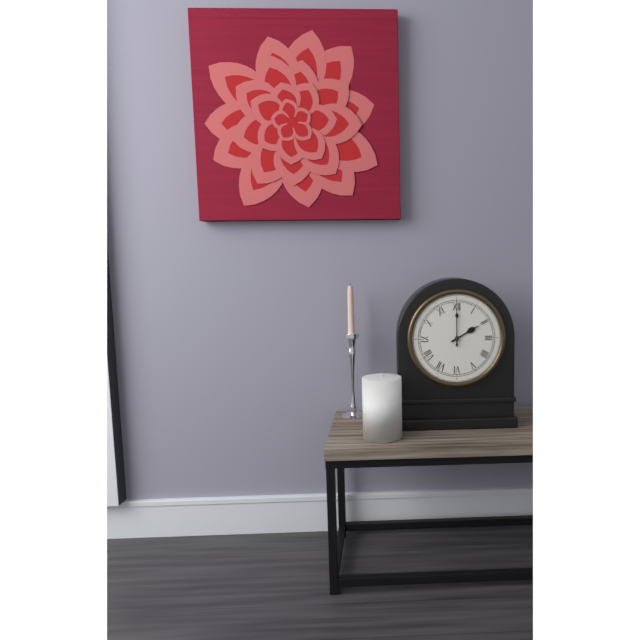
2:00
